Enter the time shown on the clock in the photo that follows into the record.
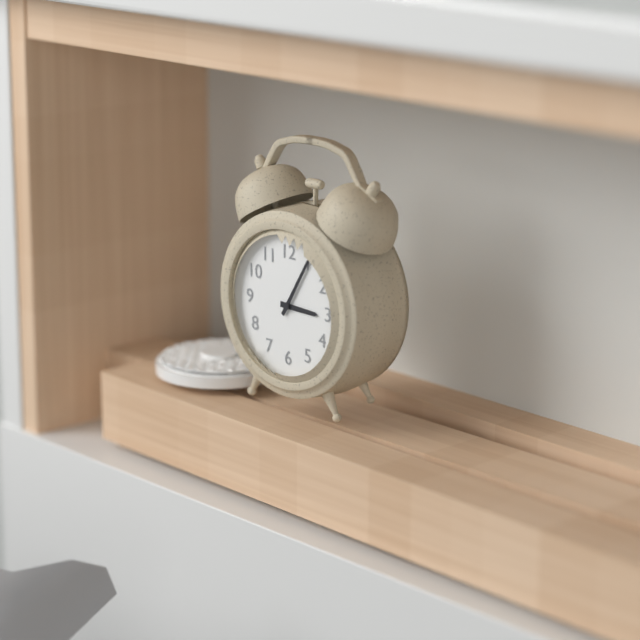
3:05
